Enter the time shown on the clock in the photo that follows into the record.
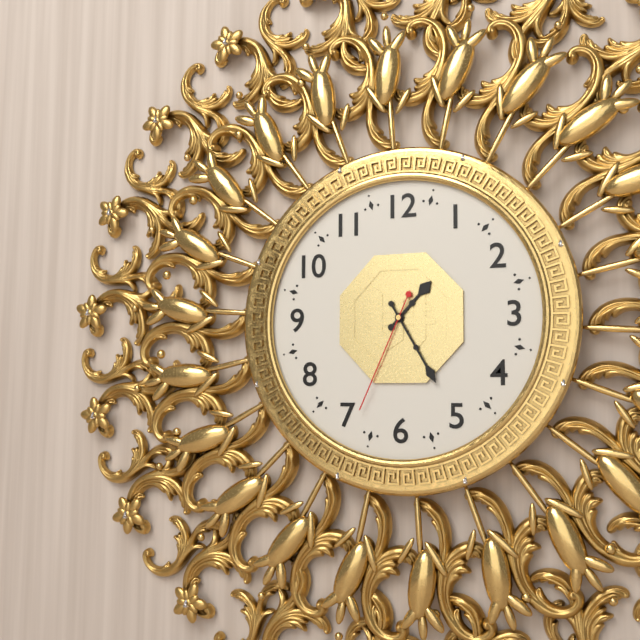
1:25:34
